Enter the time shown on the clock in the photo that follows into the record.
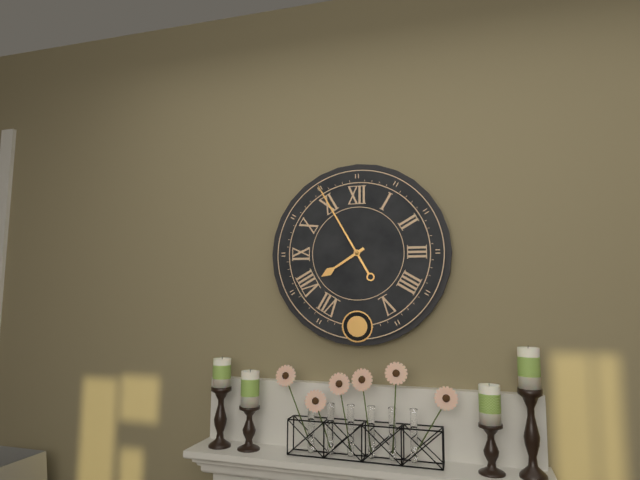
7:55
